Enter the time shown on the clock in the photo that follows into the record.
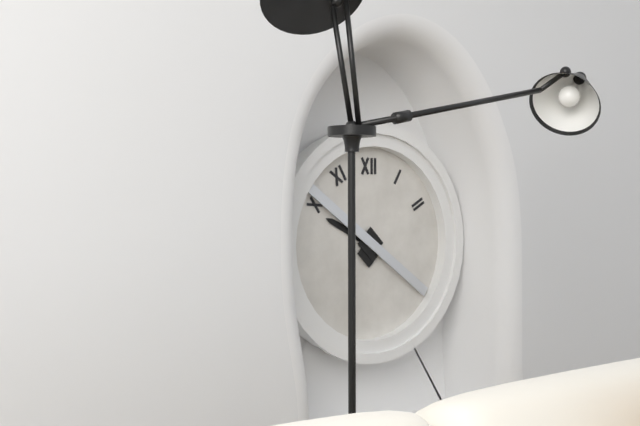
9:51
